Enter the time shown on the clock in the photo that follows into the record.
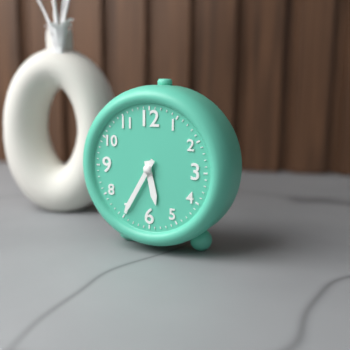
5:35
